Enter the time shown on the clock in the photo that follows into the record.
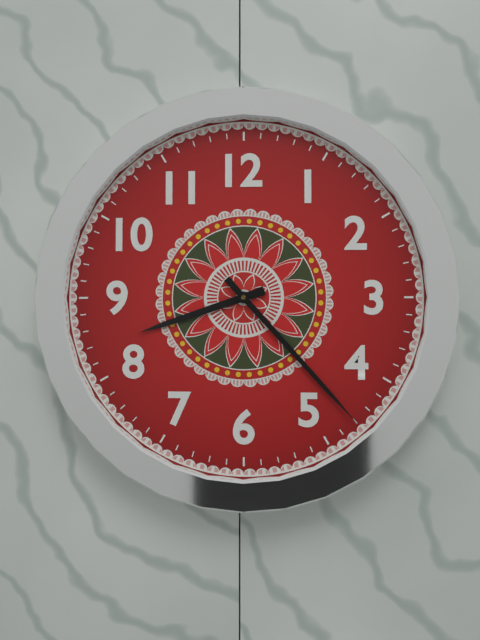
8:23
